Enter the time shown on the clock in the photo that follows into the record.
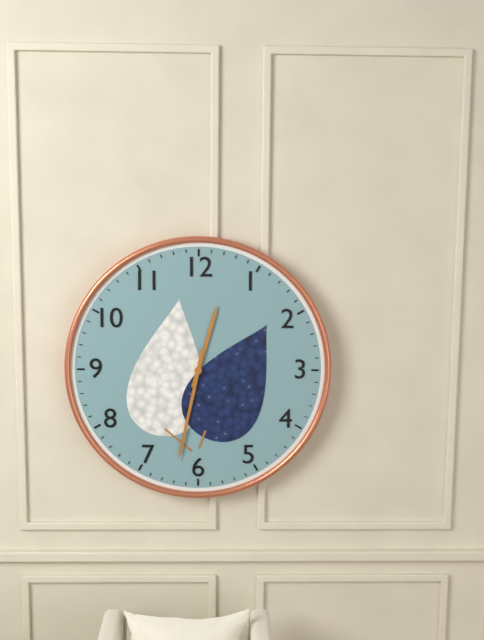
12:32
